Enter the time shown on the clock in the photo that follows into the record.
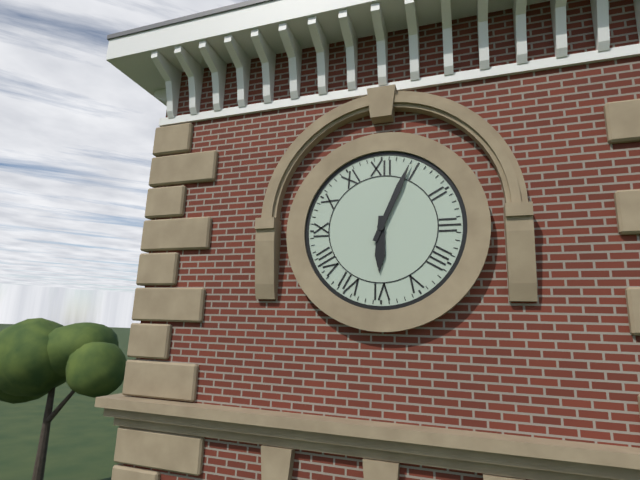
6:04
